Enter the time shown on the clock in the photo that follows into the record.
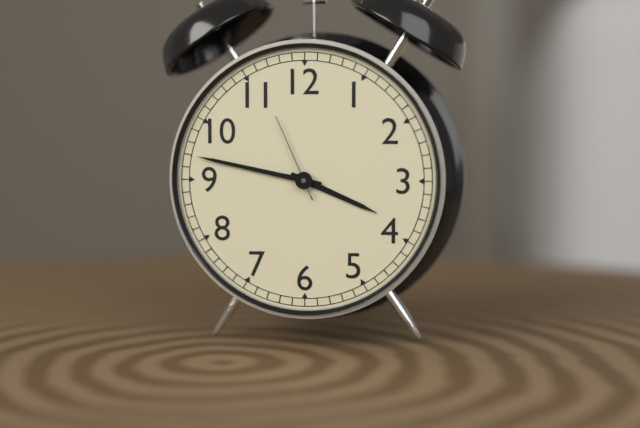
3:47:56
